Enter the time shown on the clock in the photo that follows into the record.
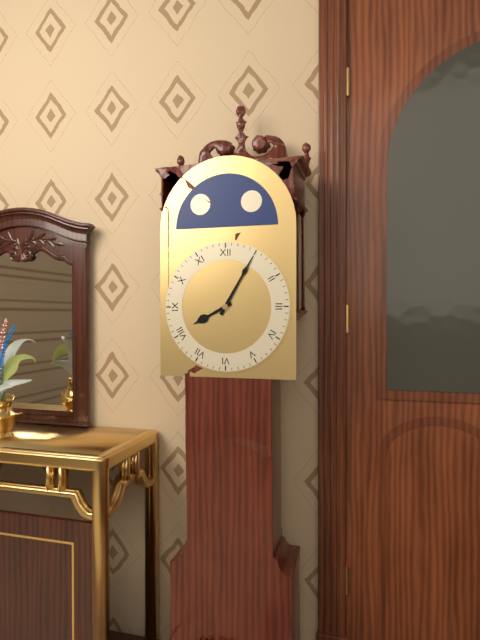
8:05
